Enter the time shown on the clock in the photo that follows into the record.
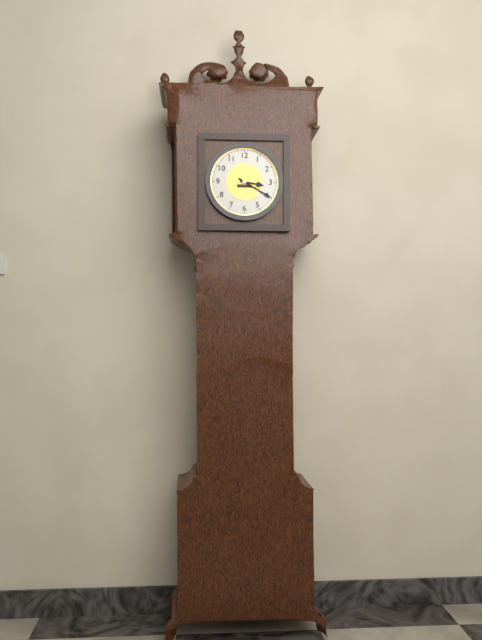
3:20
